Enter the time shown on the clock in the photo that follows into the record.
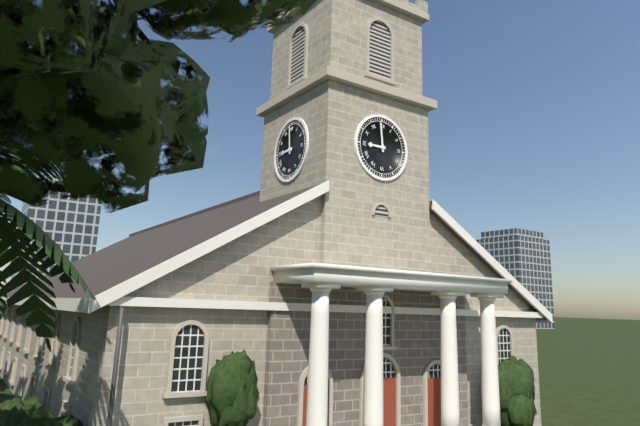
8:59
